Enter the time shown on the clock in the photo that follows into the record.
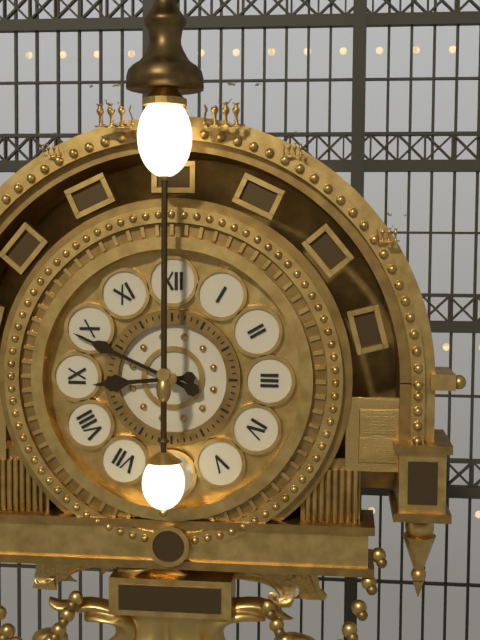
8:49
